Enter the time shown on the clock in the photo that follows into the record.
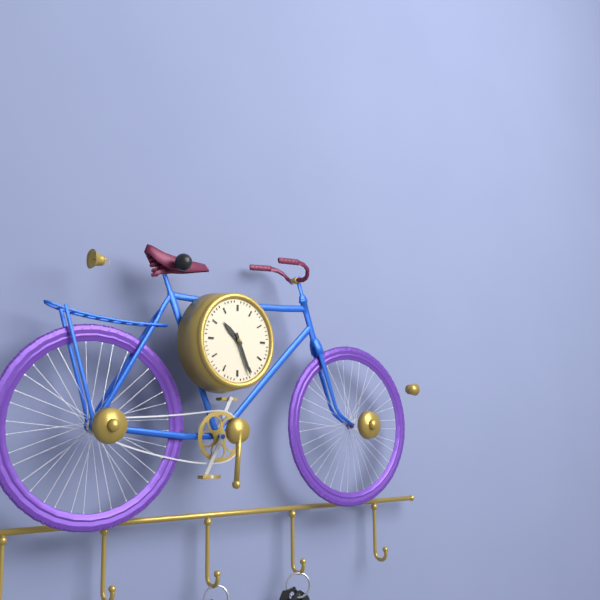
10:26
